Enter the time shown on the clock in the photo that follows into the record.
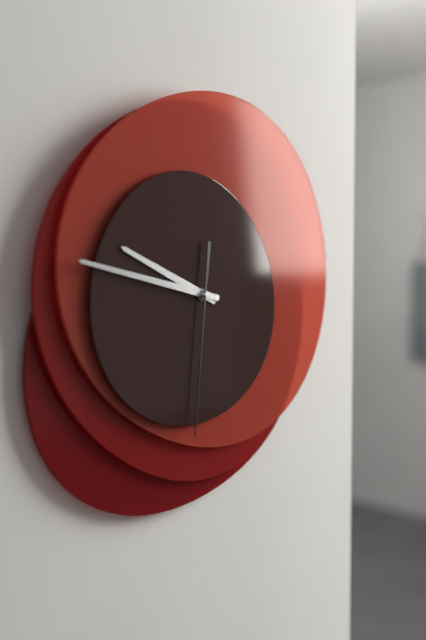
9:47:31
